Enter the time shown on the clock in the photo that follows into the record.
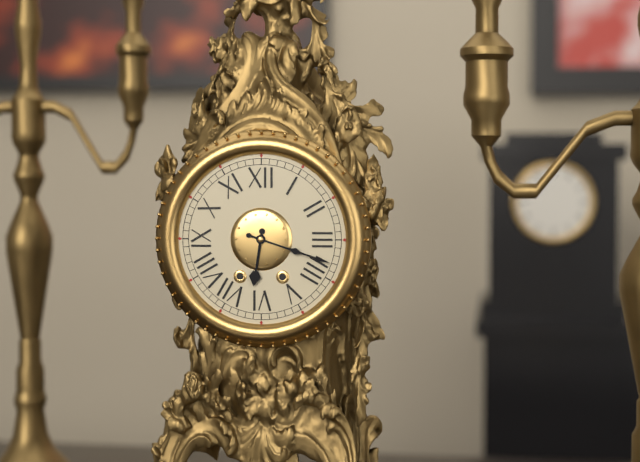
6:18
